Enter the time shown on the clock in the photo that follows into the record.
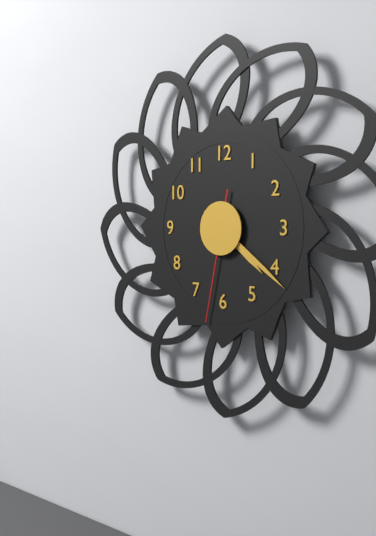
4:21:32
